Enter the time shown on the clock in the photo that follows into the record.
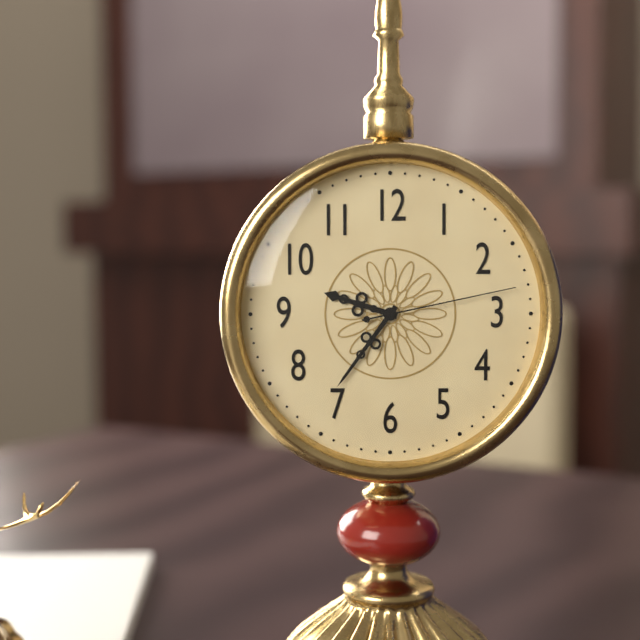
9:36:13
